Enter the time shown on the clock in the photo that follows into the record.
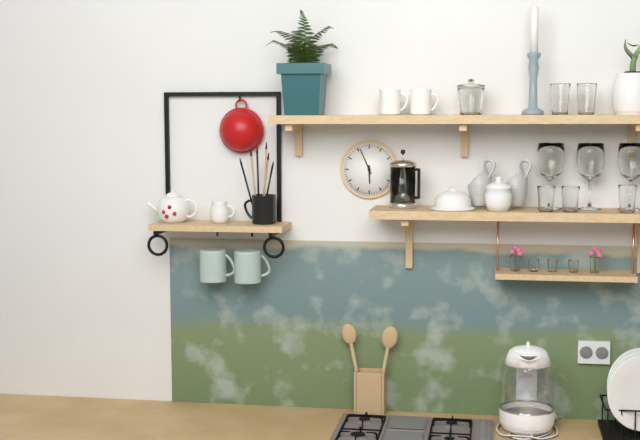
5:56
